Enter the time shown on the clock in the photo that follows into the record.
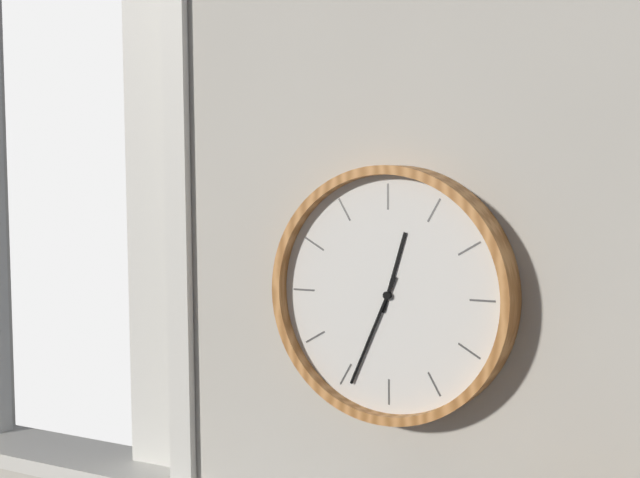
12:34
